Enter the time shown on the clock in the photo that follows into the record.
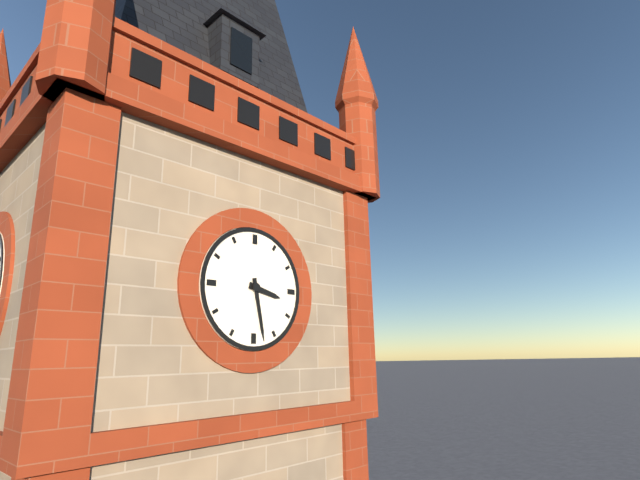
3:28
